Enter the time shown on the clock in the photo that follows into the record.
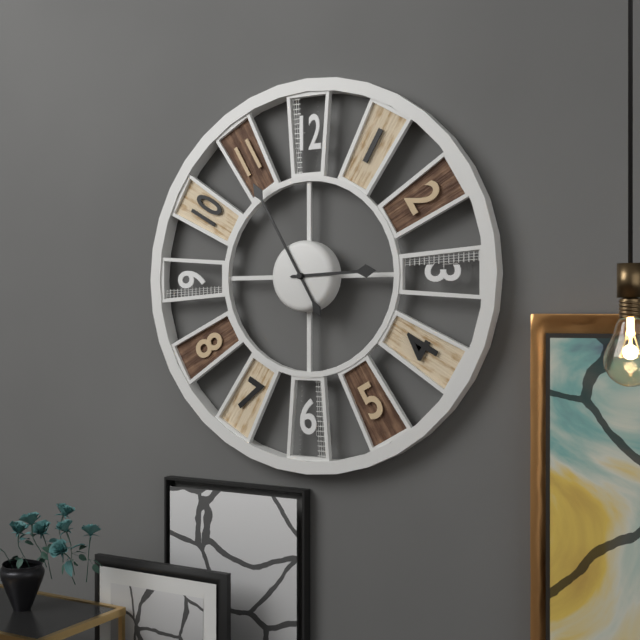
2:55
